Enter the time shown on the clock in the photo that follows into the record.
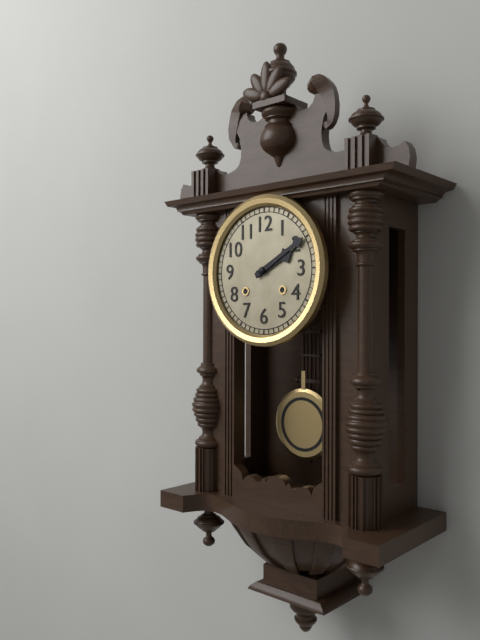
2:10
